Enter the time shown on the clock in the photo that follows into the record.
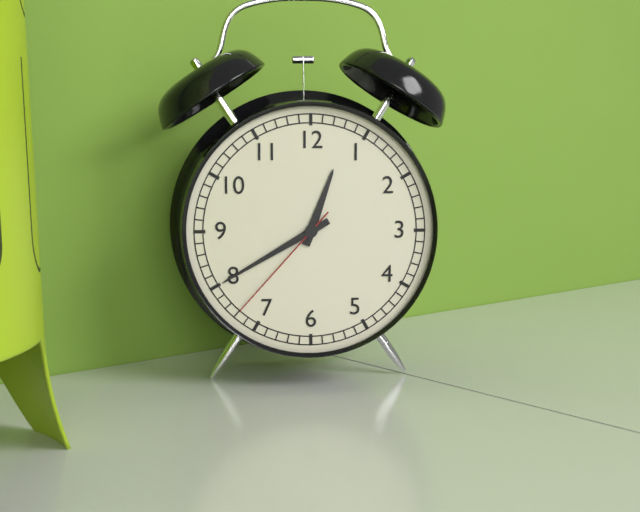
12:40:37
